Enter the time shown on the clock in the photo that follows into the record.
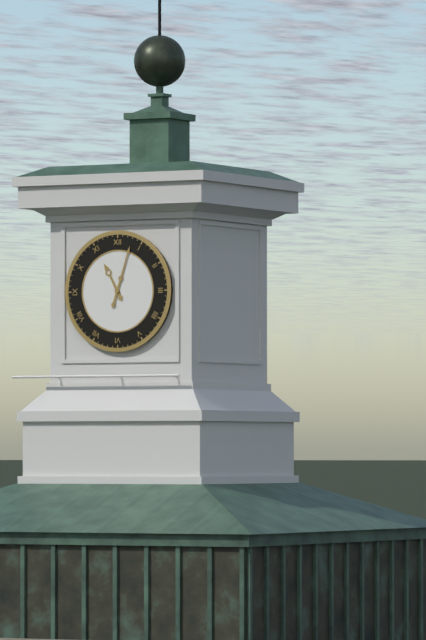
11:03
